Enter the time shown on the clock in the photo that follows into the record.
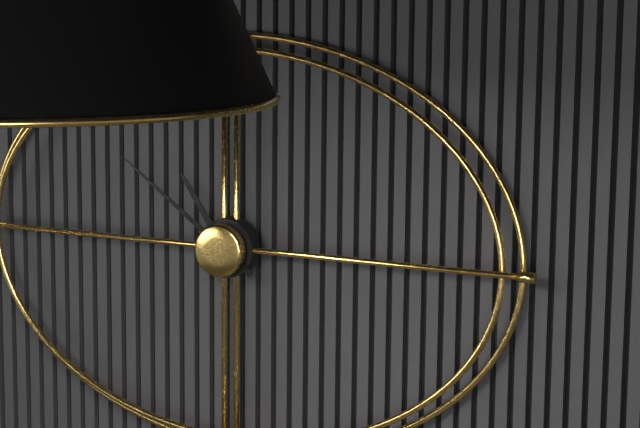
10:51
